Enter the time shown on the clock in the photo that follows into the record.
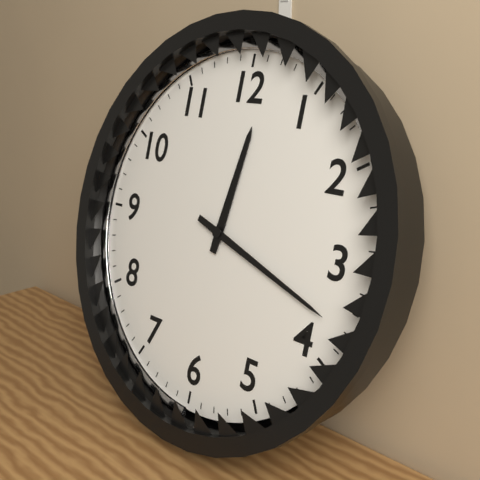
12:18
